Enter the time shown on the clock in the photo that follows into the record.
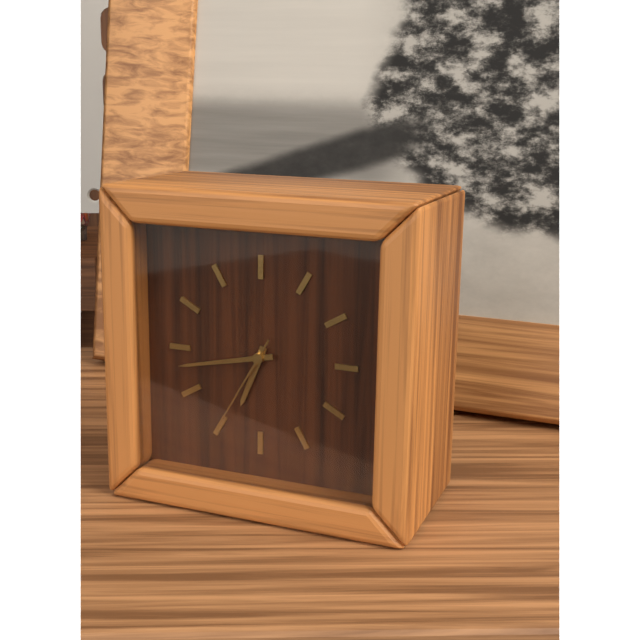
6:43:35
